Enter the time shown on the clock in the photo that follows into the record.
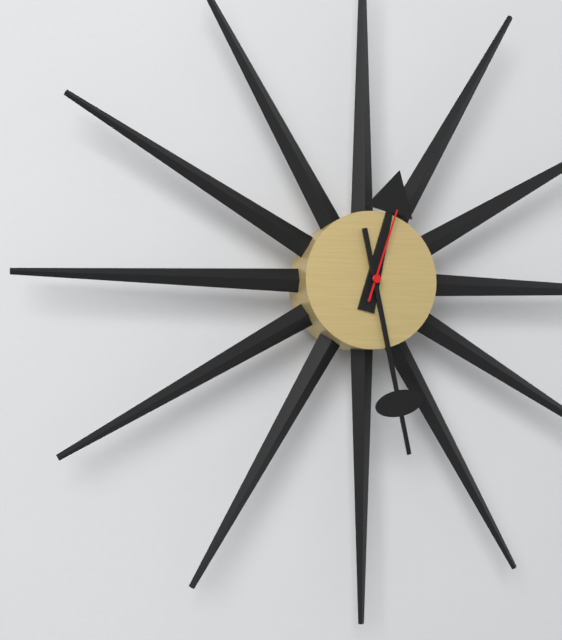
12:28:03
